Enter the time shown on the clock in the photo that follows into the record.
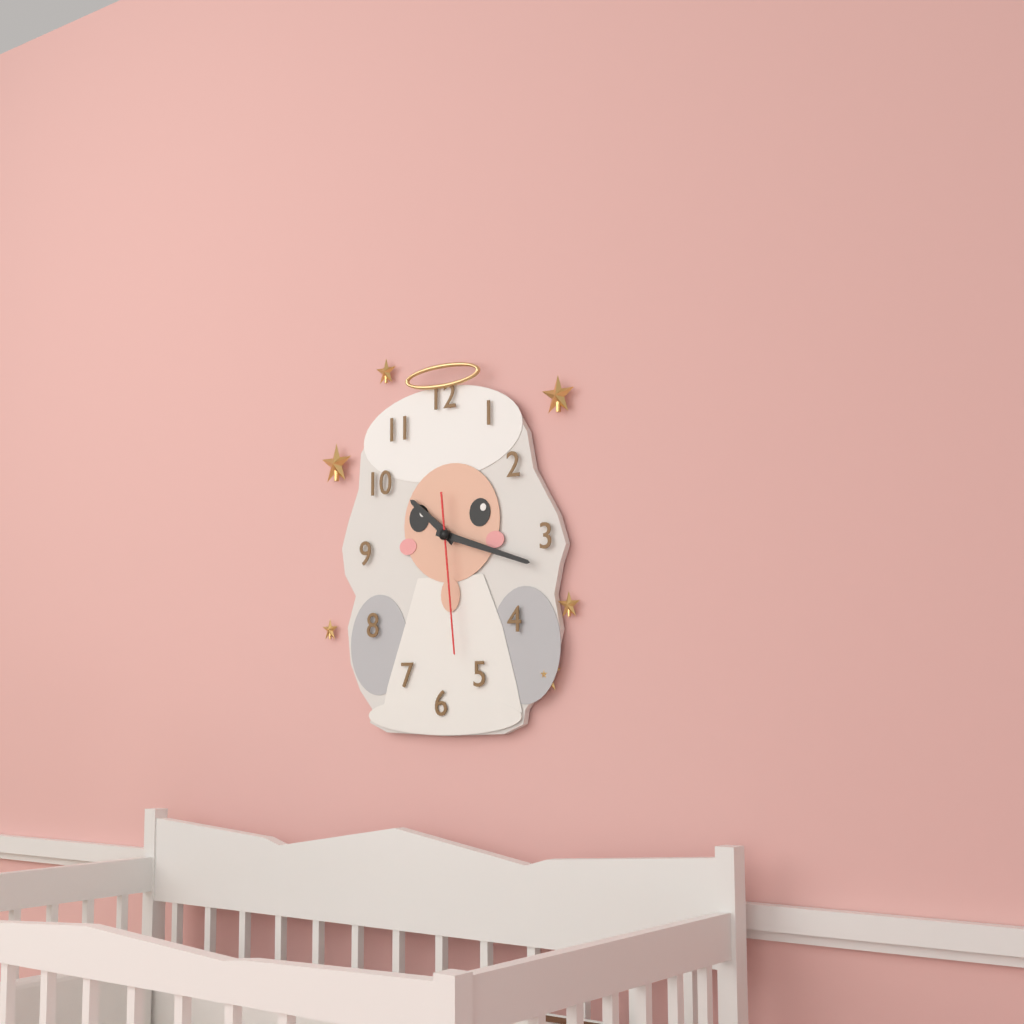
10:18:29
